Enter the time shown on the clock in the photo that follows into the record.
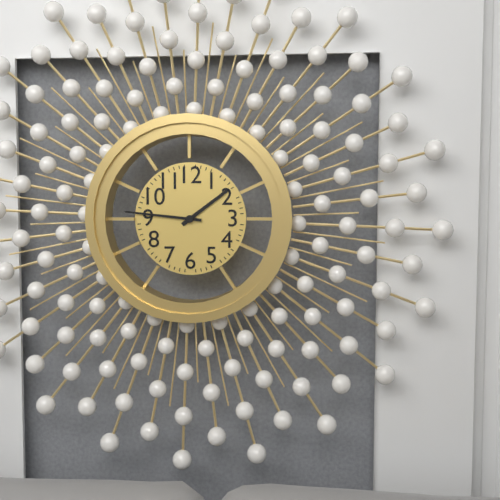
1:46
